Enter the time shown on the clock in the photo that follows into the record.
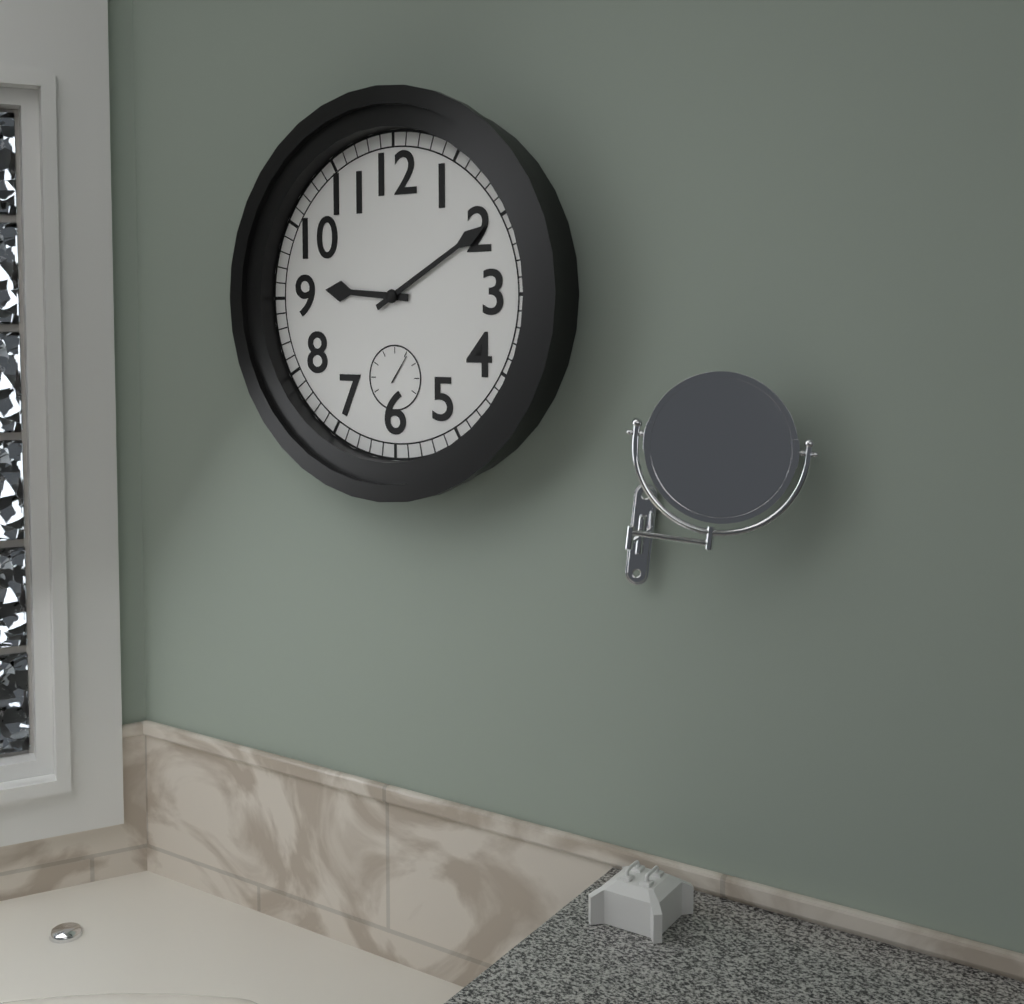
9:10
